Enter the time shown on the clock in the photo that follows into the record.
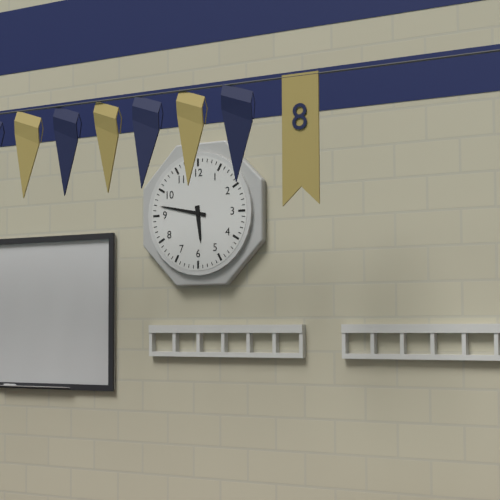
5:47
